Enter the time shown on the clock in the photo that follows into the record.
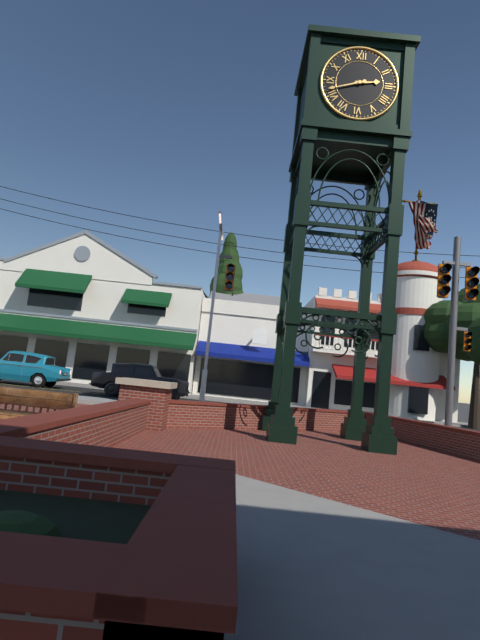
2:42
